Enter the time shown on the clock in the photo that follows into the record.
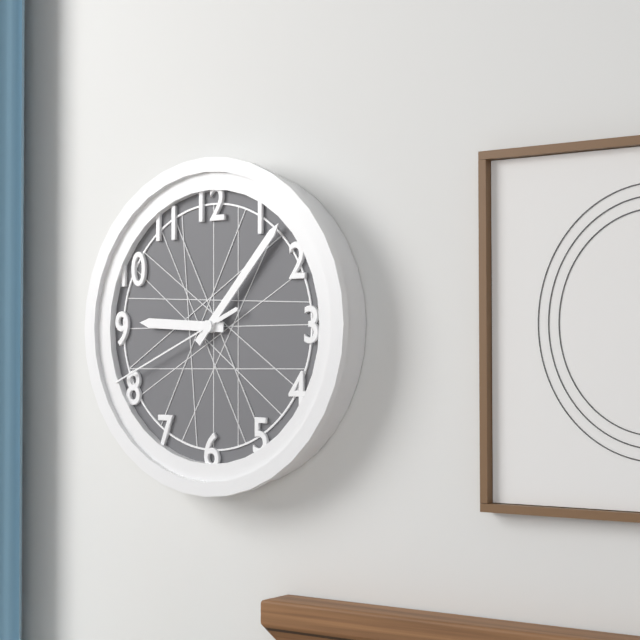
9:07:41
